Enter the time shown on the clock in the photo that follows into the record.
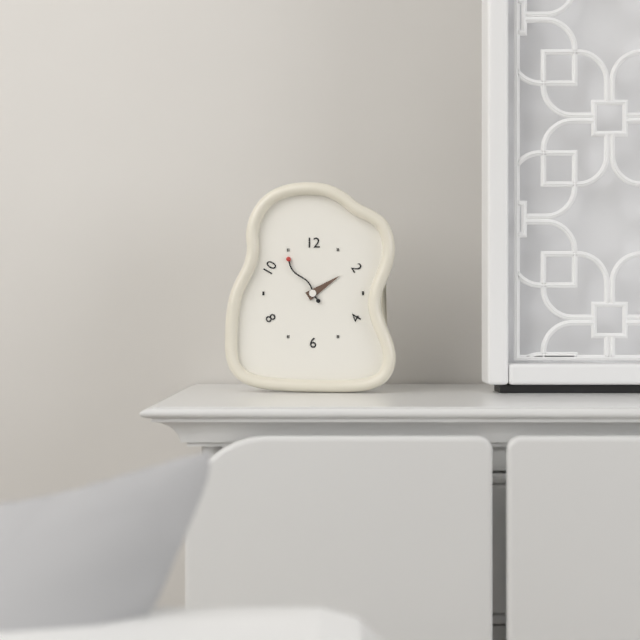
1:54
